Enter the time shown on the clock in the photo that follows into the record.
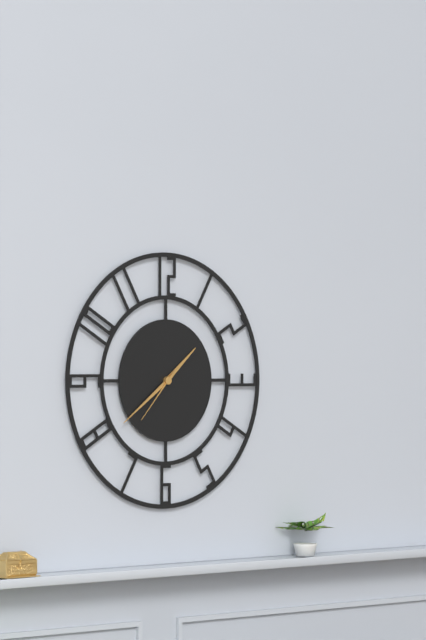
1:39:37
